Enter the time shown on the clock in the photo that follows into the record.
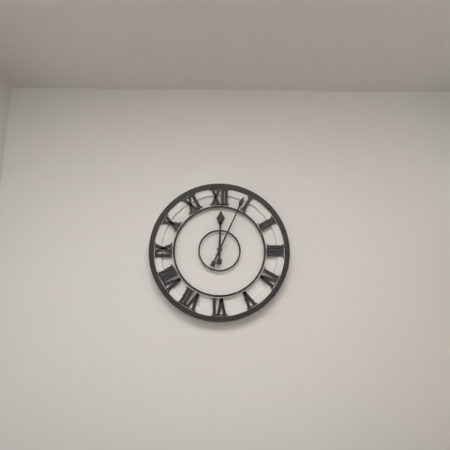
12:04
